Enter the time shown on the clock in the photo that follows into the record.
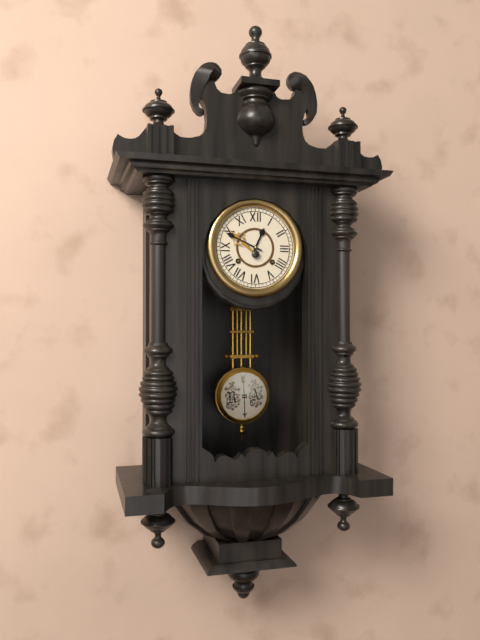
12:49
